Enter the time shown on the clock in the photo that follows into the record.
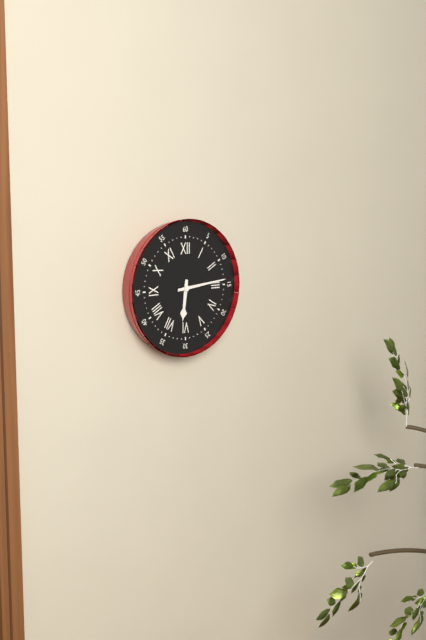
6:14
